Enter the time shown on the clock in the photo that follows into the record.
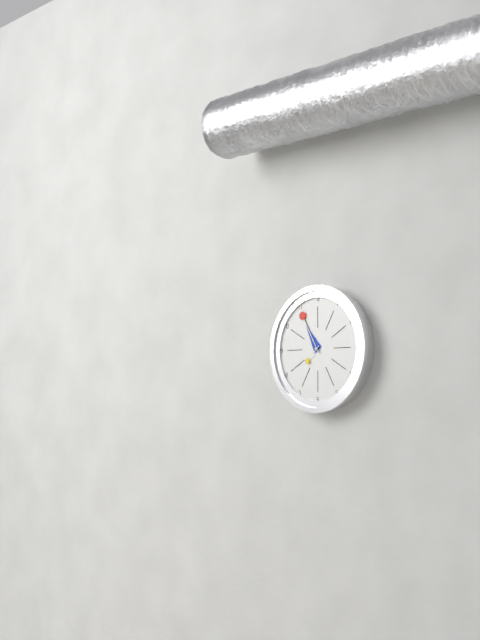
10:55
